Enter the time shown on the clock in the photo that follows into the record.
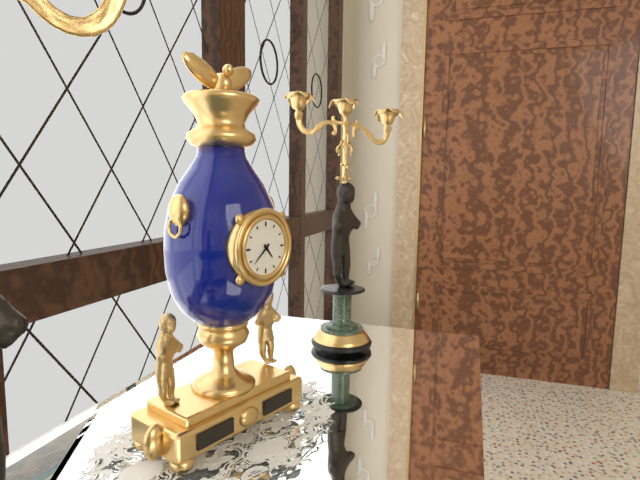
4:38
